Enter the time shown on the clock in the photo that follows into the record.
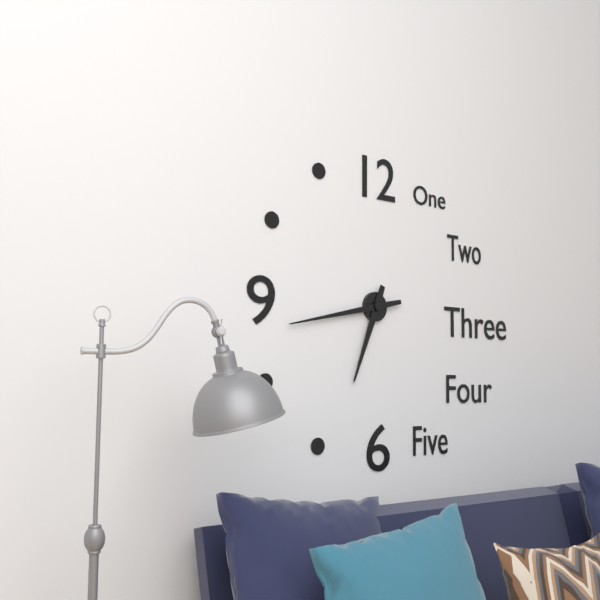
6:43
